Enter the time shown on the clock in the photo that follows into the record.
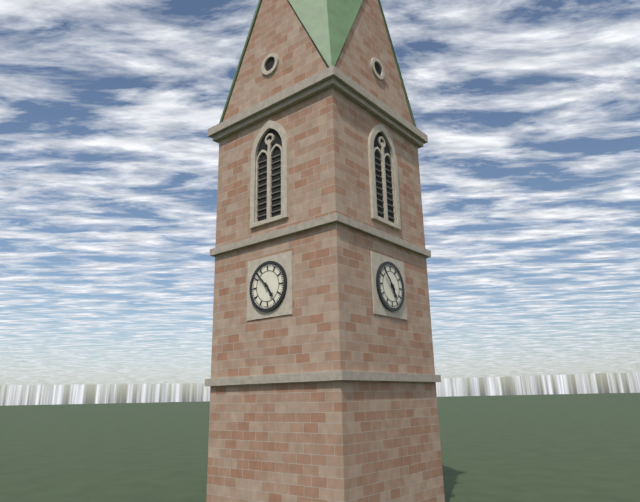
4:53
